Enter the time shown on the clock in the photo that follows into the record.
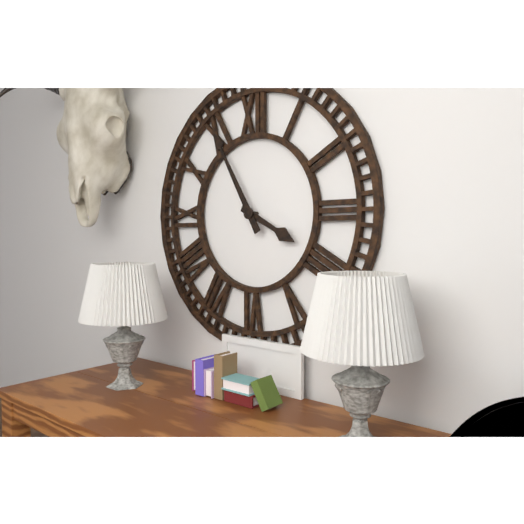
3:55
